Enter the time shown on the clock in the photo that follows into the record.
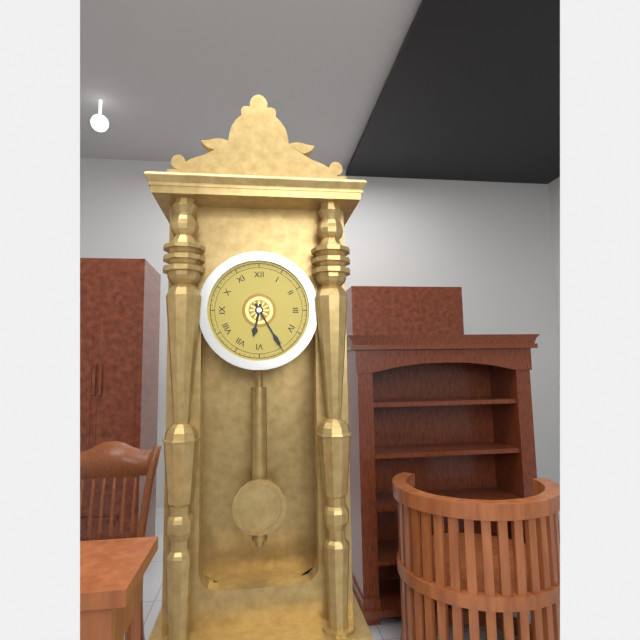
6:25
